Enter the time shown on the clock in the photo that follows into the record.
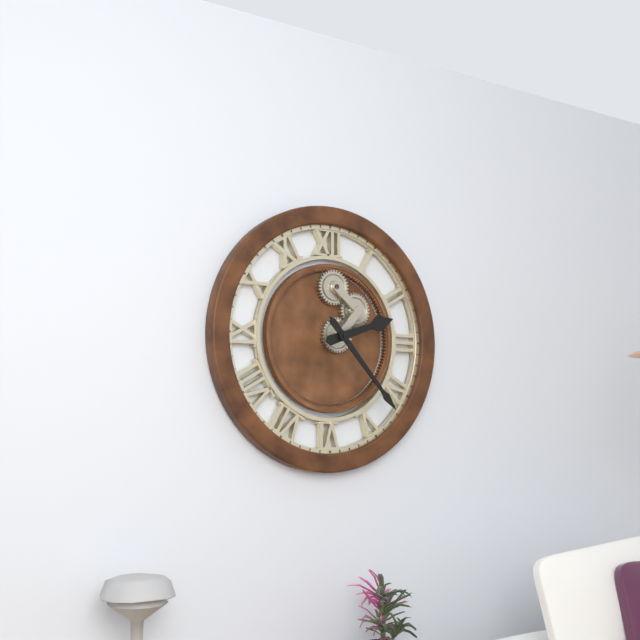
2:23
